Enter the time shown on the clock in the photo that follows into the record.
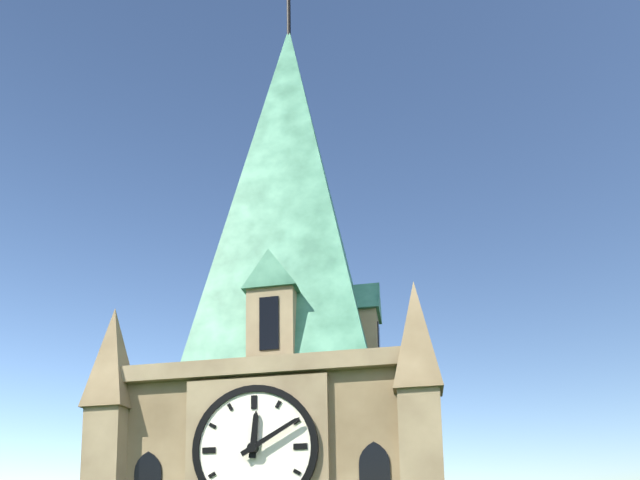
12:10
